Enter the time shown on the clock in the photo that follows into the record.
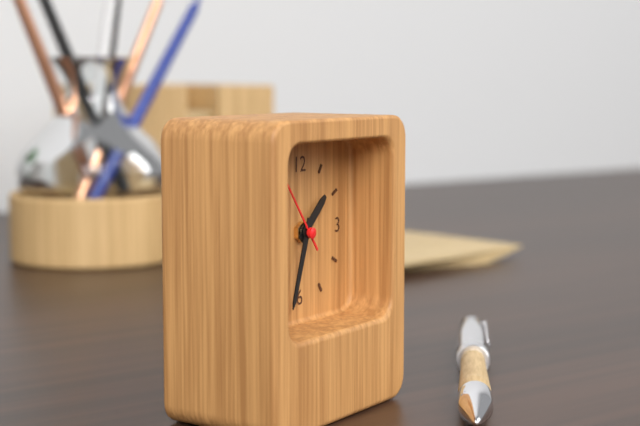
1:33:54
